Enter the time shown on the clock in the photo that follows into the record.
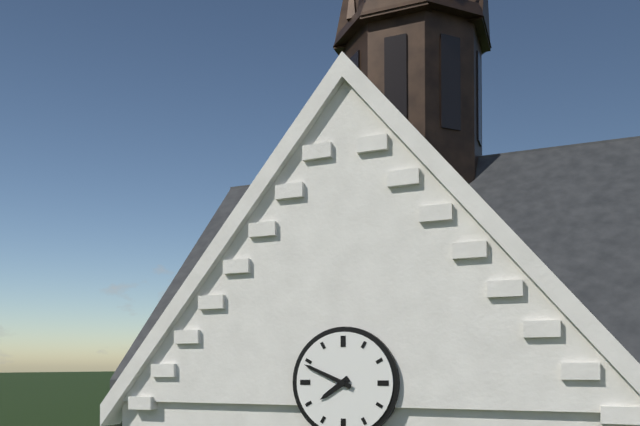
7:49
